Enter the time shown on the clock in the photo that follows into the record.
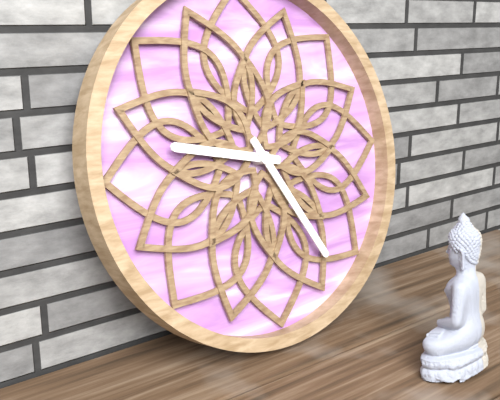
9:25
